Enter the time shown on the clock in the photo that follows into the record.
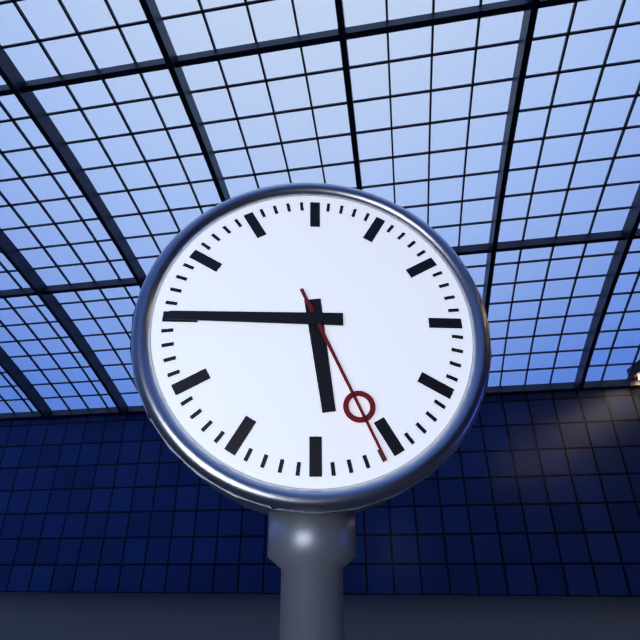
5:45:26
